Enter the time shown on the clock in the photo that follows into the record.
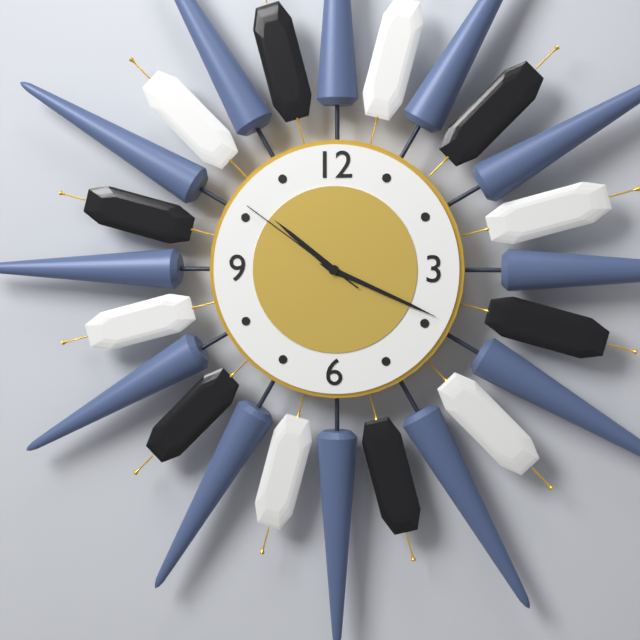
10:19:51
